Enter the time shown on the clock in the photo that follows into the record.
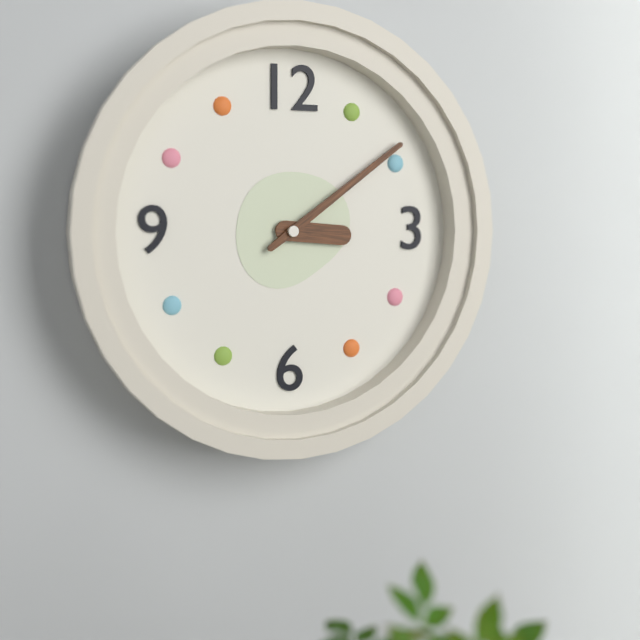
3:09
